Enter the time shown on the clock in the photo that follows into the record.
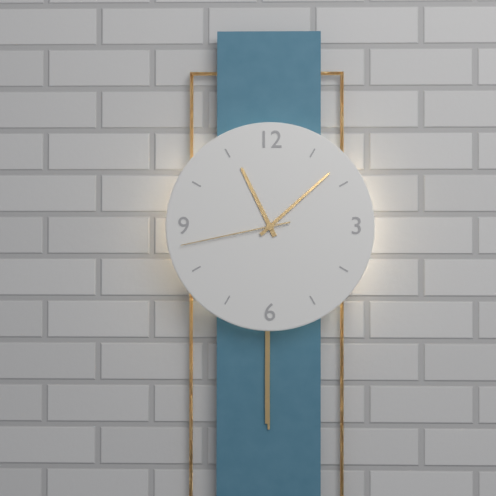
11:08:43
